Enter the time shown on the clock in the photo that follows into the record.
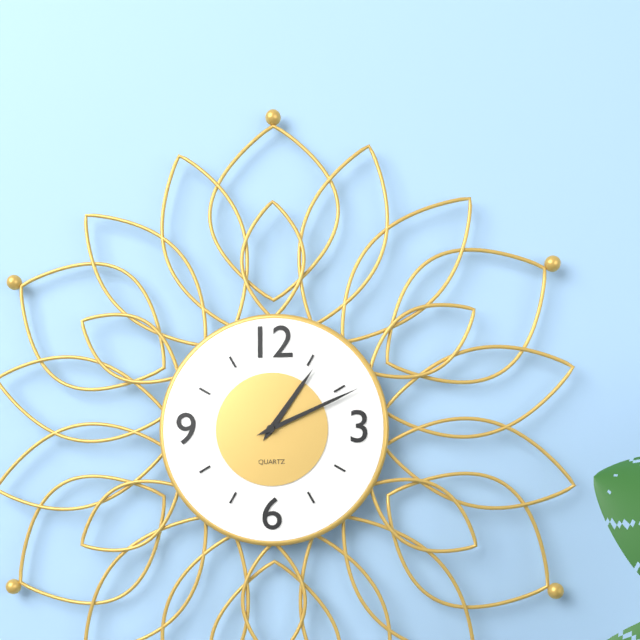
1:11
